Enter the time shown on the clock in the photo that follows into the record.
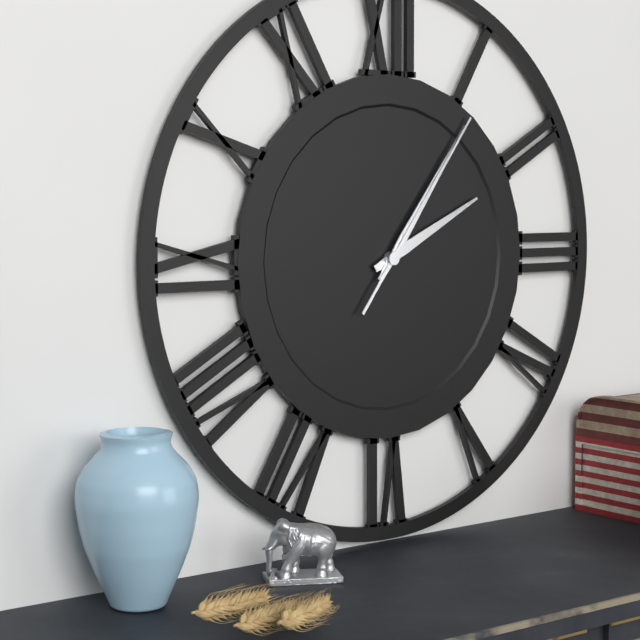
2:06:06
